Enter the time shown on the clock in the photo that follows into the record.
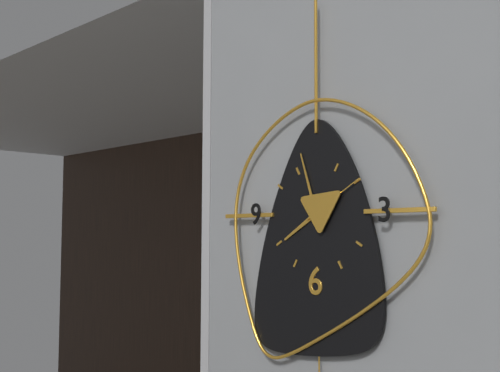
7:57:10
